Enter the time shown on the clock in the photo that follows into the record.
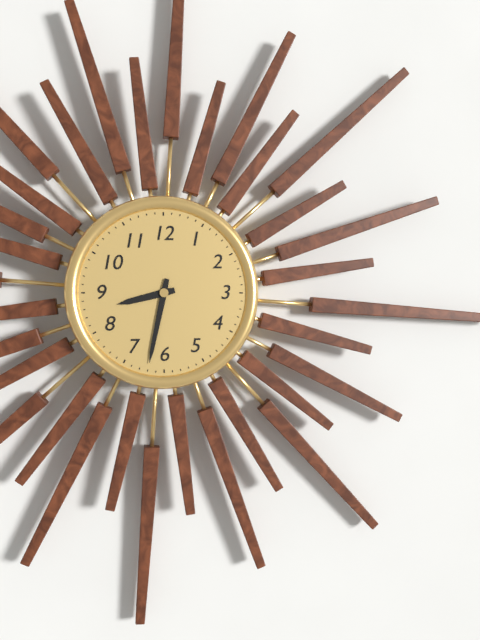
8:32
